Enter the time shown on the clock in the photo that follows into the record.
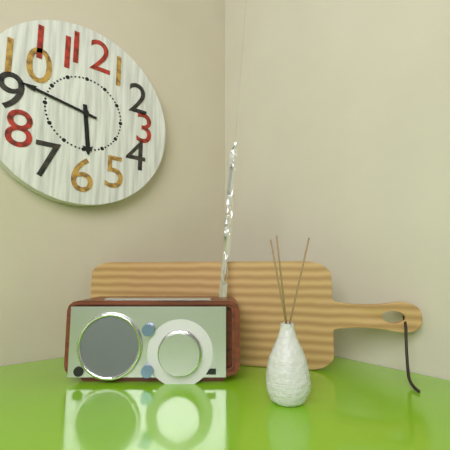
5:47
